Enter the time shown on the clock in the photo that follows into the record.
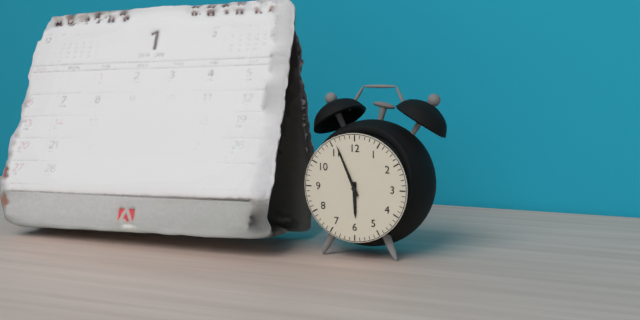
5:56
